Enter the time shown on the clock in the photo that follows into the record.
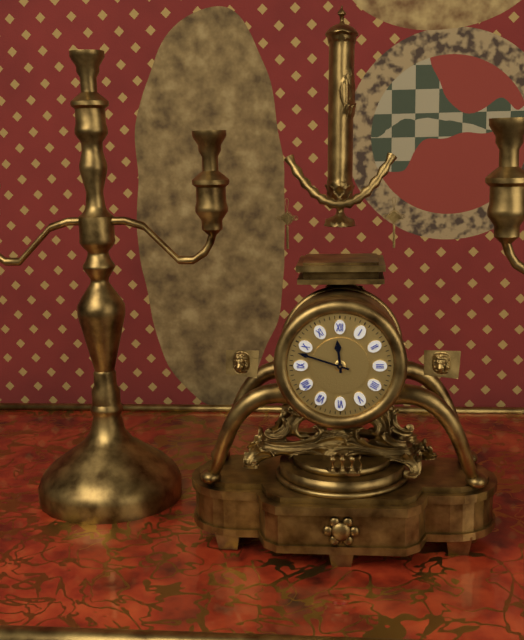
11:48
